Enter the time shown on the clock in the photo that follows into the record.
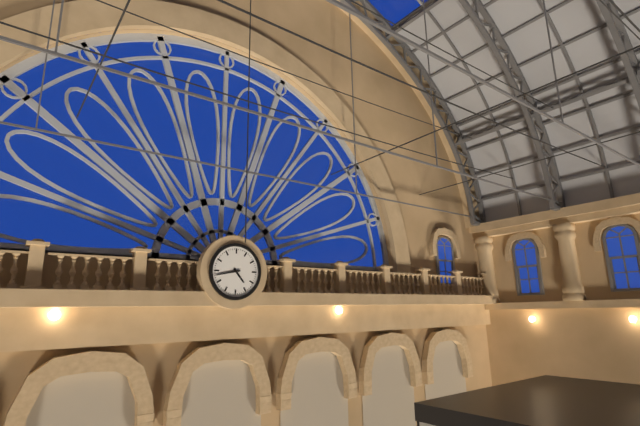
4:43
